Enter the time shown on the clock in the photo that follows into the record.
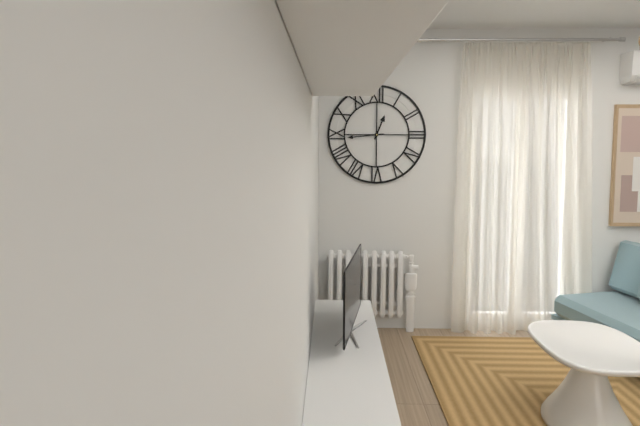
12:44
